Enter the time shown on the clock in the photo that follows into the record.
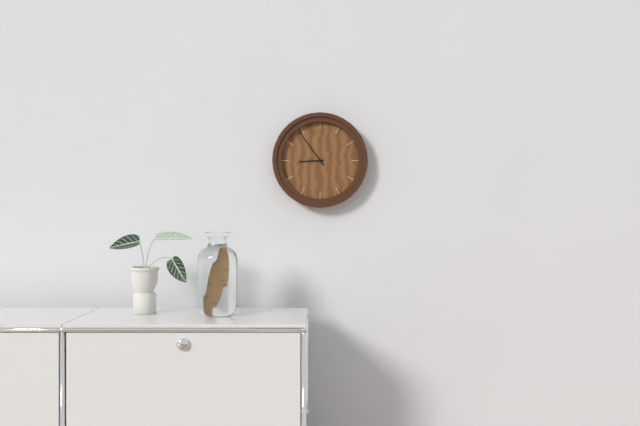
8:54
